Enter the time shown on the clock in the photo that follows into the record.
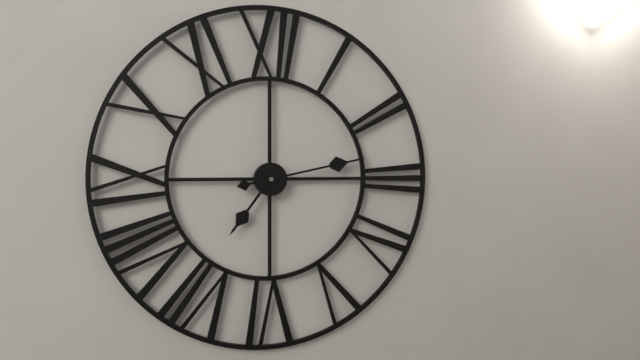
7:13
